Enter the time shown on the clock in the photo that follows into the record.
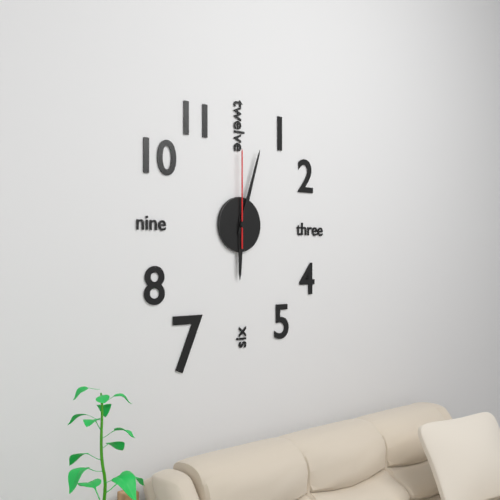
6:03:00
